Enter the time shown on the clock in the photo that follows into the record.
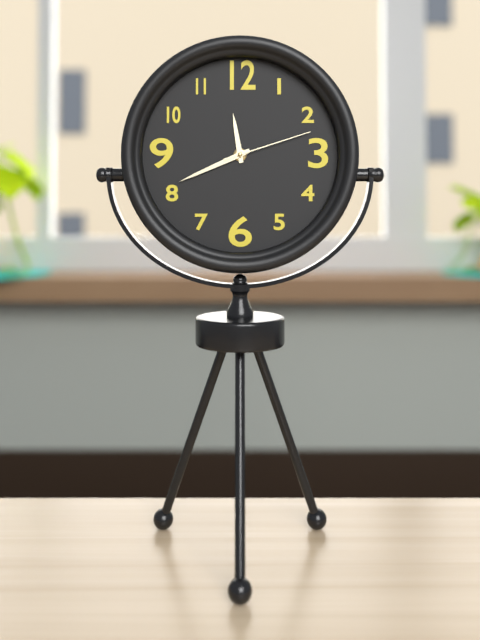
11:41:12
